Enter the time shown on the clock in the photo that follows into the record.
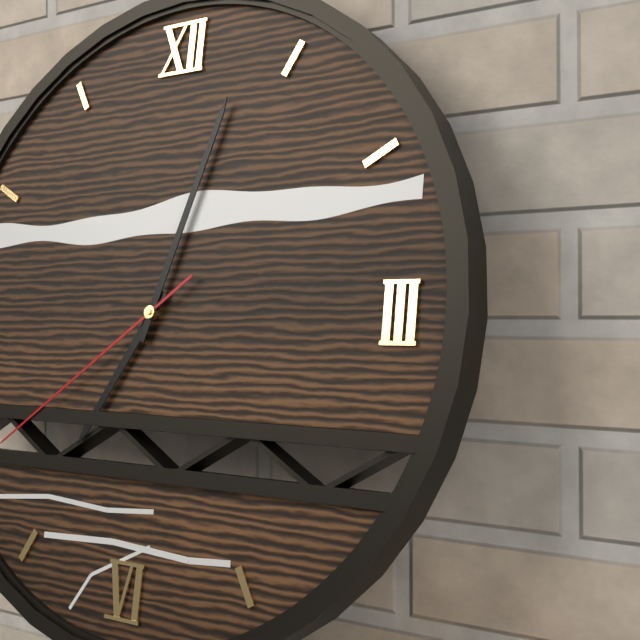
7:03
